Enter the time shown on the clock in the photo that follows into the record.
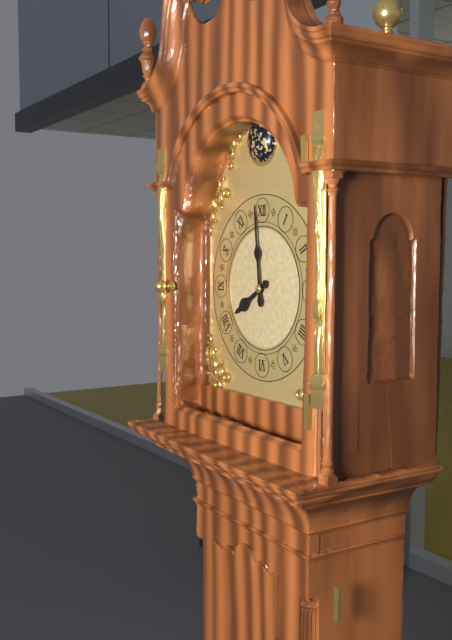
7:59
